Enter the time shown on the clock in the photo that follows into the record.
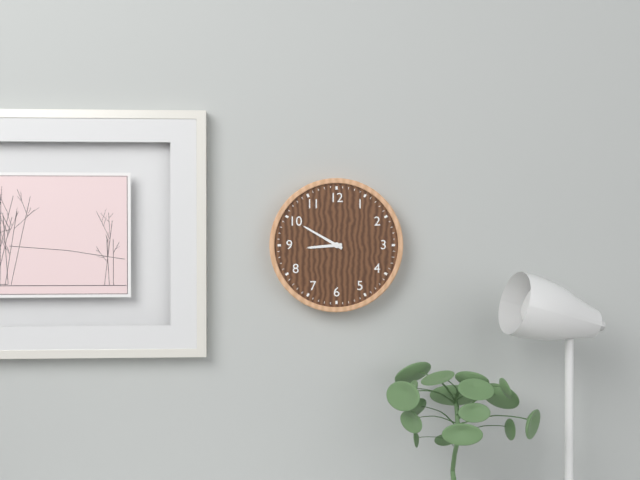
8:50
